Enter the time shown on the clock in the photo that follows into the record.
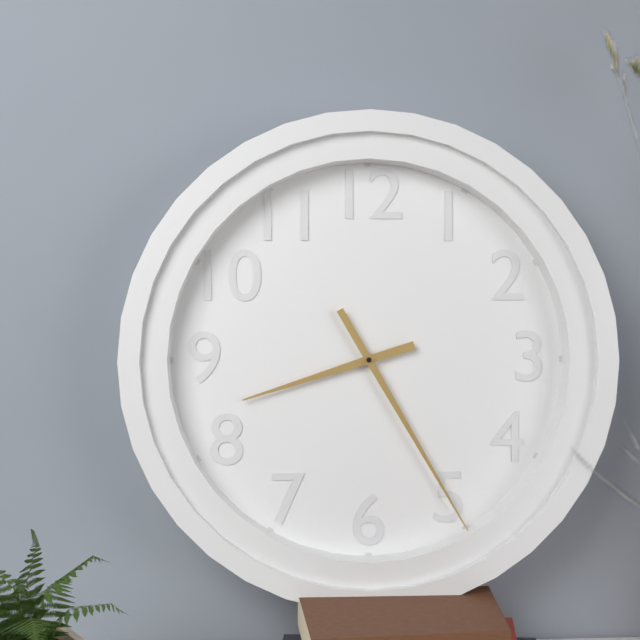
8:25
